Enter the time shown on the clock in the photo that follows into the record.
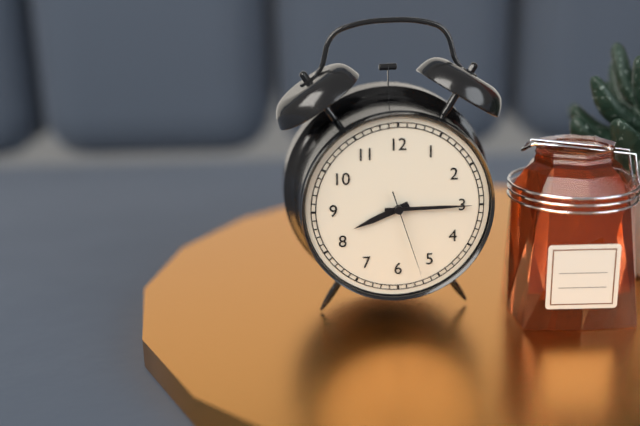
8:15:27
